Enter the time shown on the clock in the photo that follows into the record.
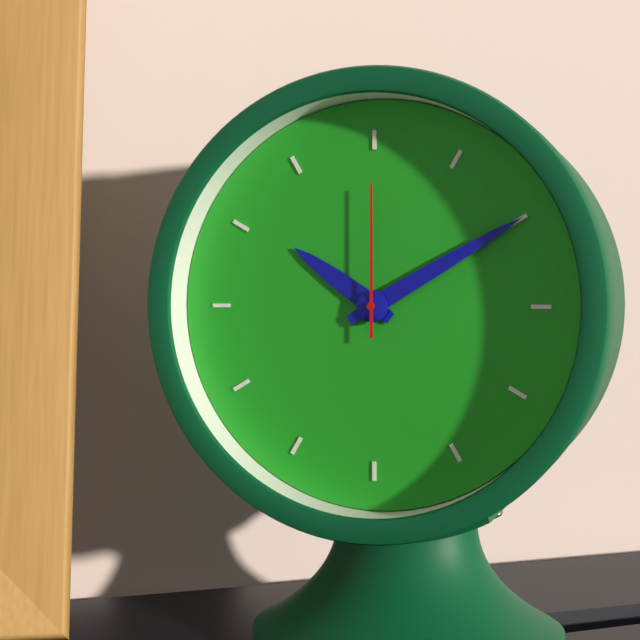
10:10:00
